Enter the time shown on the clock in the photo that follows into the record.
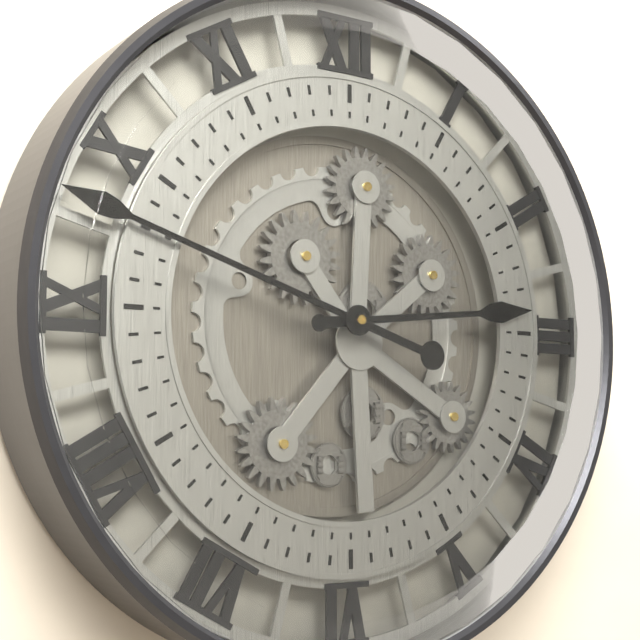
2:48
